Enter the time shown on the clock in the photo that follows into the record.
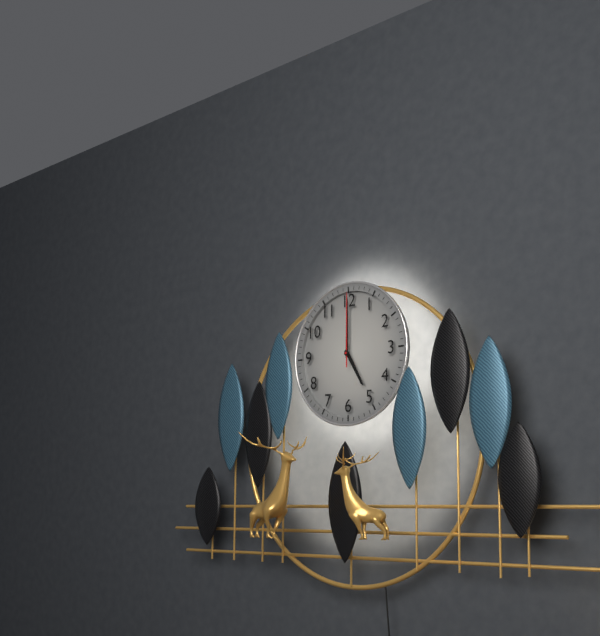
5:00:00
